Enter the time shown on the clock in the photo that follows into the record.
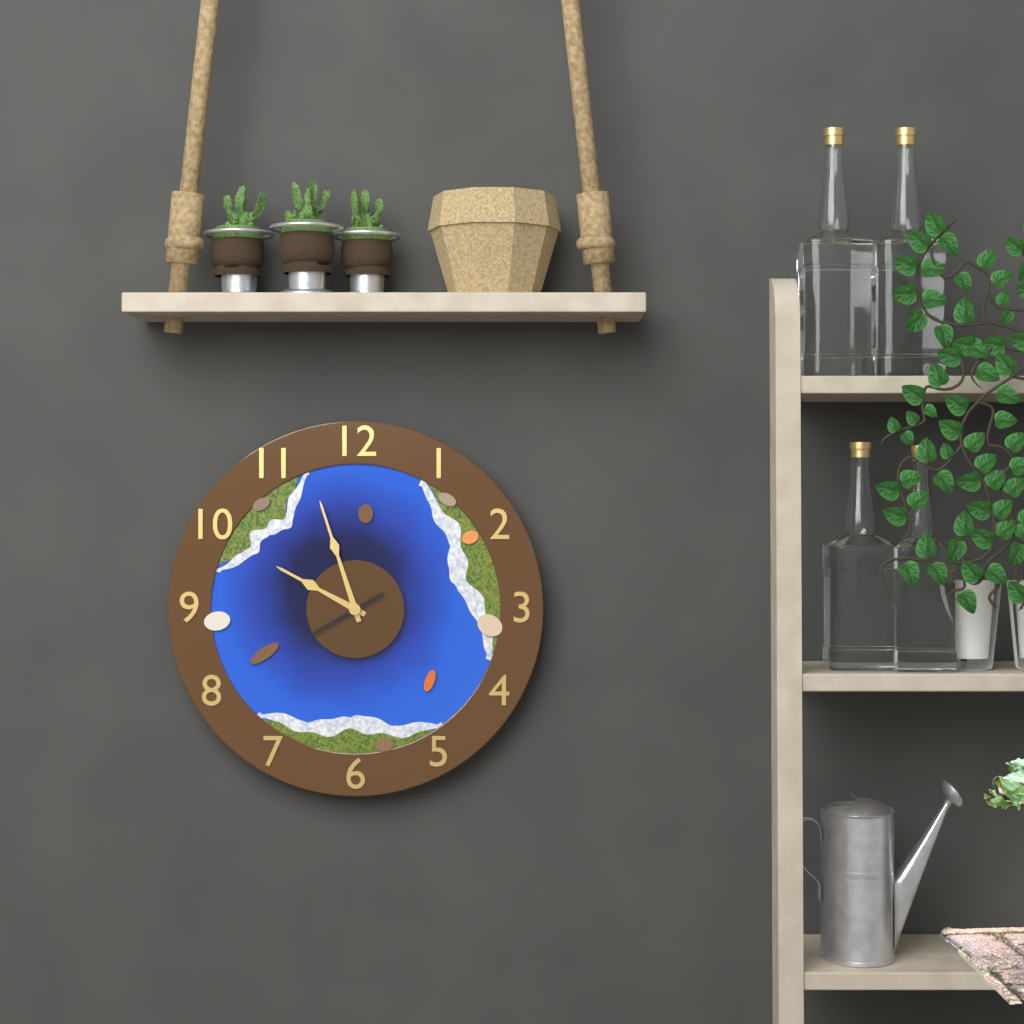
9:57:40
